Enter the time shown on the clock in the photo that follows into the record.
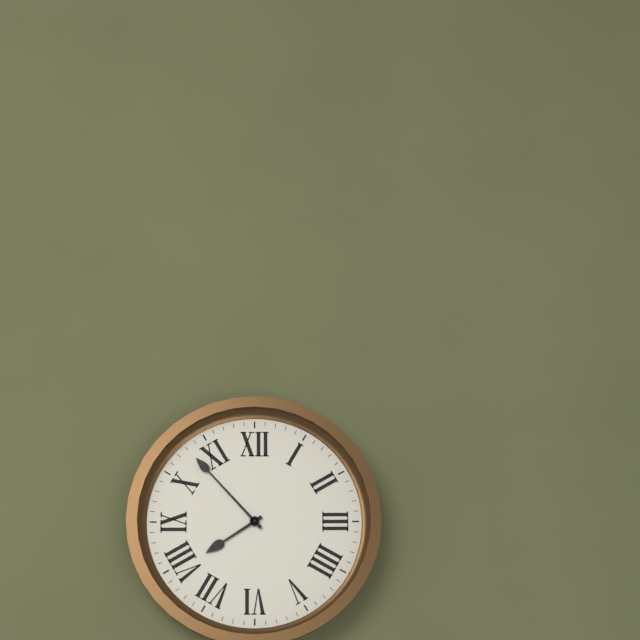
7:53
